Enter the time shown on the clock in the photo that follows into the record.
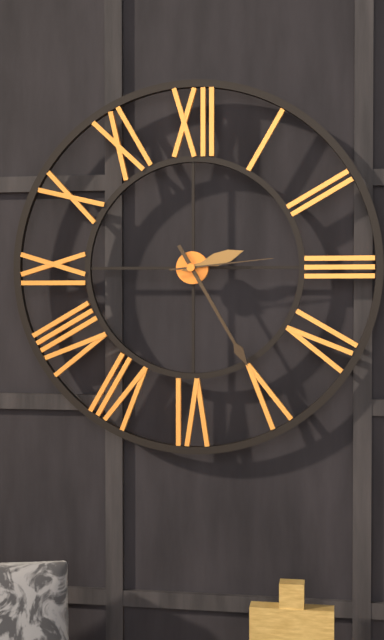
2:25:14
